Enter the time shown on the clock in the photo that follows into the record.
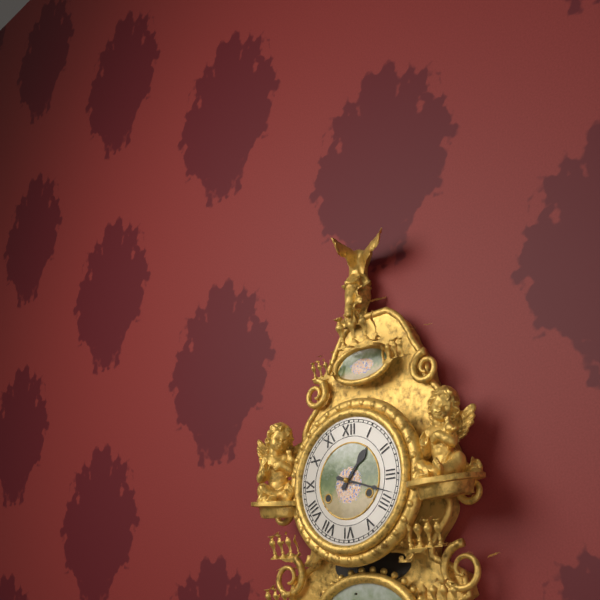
1:18
